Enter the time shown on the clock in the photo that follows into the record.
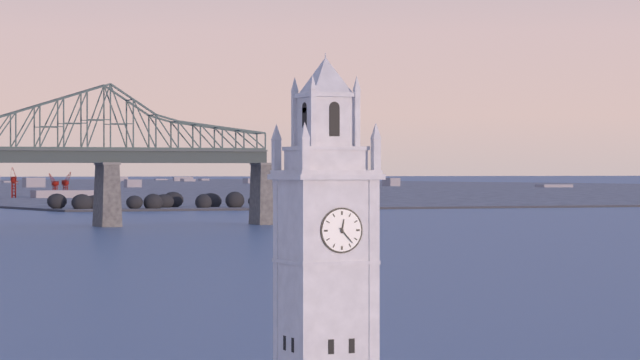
12:23
